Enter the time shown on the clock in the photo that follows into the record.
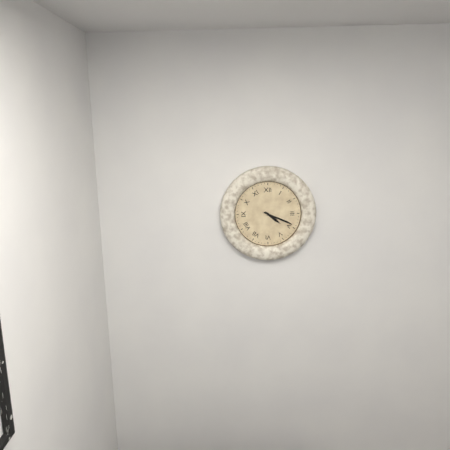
4:19
